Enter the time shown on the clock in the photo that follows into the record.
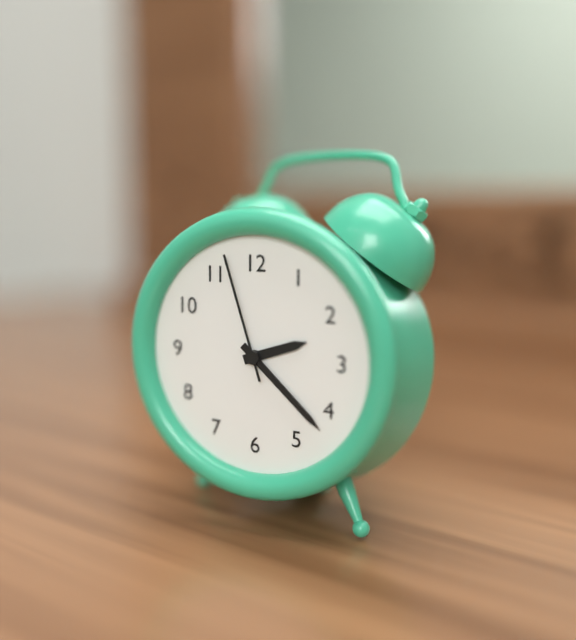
2:22:57
